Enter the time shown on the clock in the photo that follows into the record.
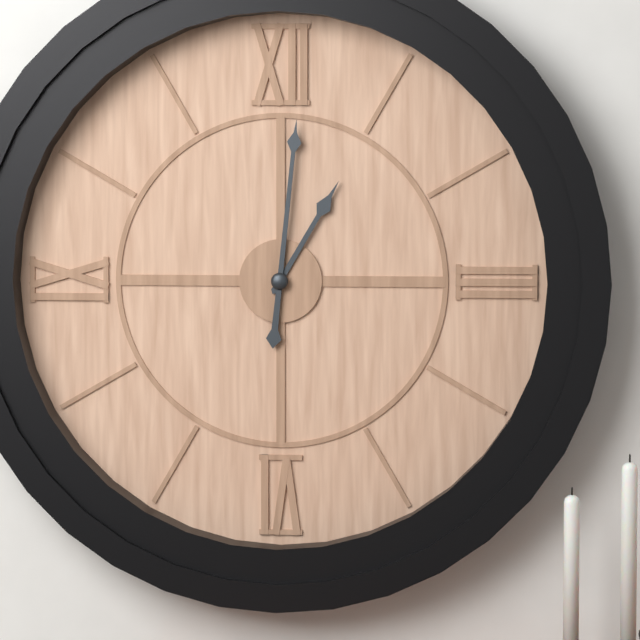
1:01
